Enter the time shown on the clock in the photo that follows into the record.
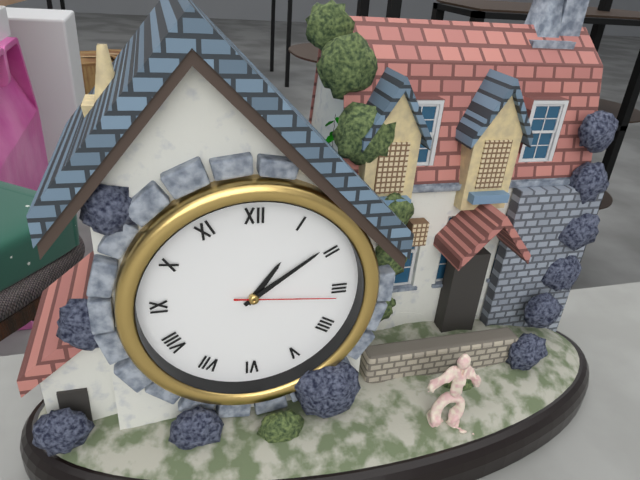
1:09:16
